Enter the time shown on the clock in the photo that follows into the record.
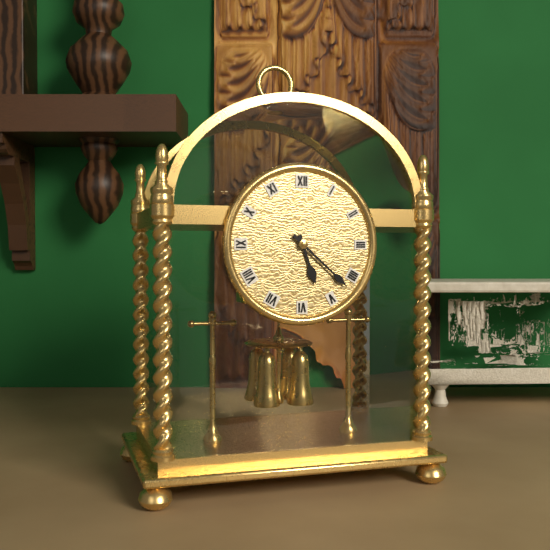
5:22
